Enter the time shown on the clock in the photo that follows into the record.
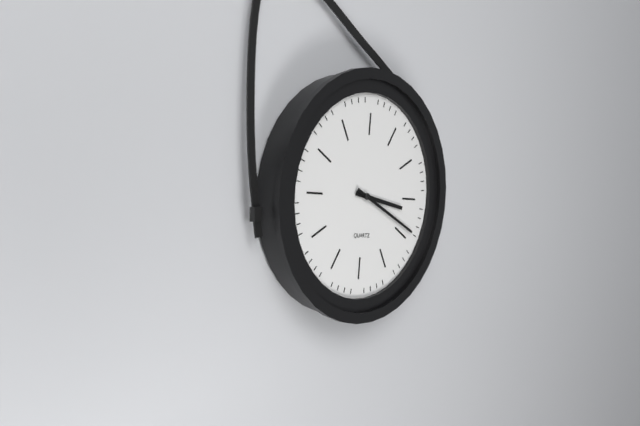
3:19
